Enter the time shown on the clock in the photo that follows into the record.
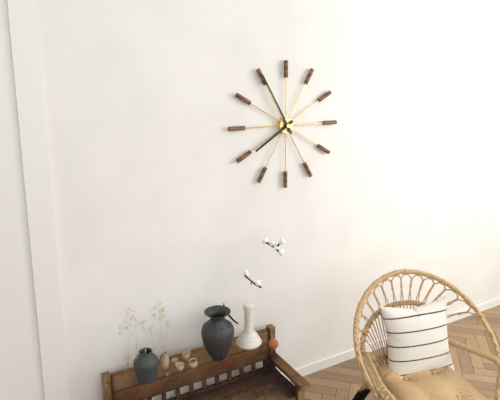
7:55
